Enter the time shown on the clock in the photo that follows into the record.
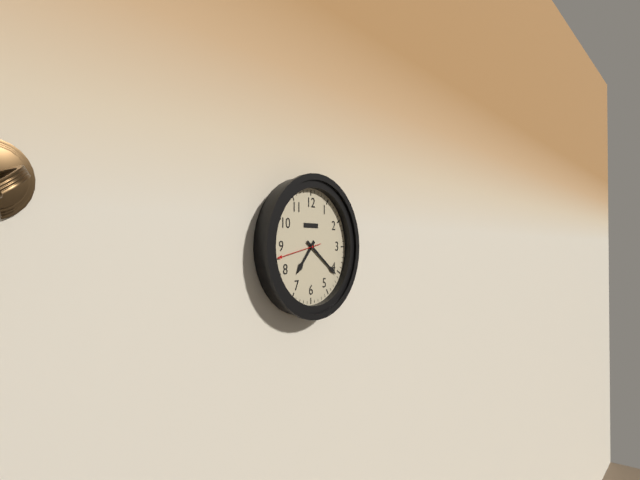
7:21
